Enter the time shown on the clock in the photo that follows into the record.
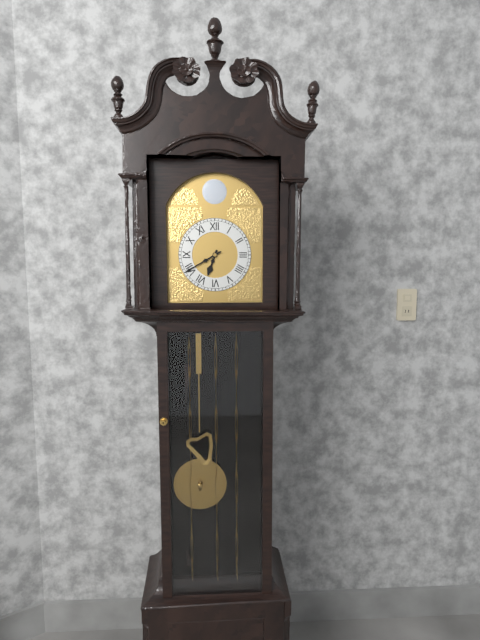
6:40
